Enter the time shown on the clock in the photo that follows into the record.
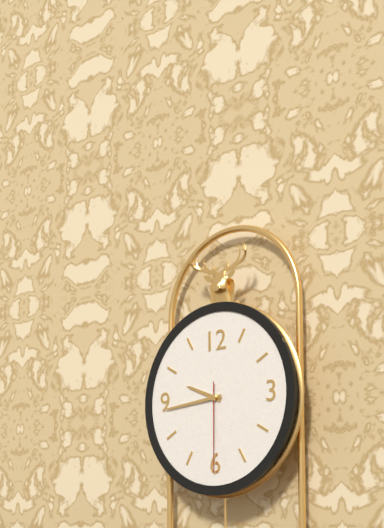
9:44:30
